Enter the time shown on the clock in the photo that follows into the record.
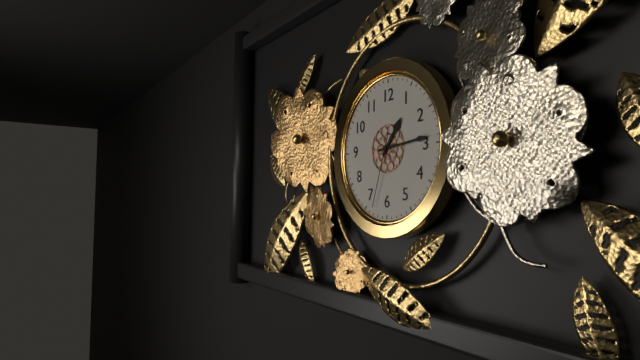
1:14:33
